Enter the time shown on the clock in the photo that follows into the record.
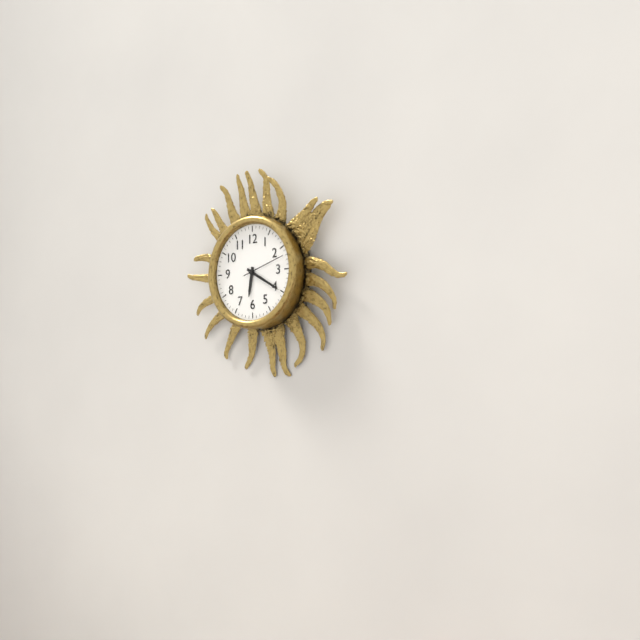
6:20
